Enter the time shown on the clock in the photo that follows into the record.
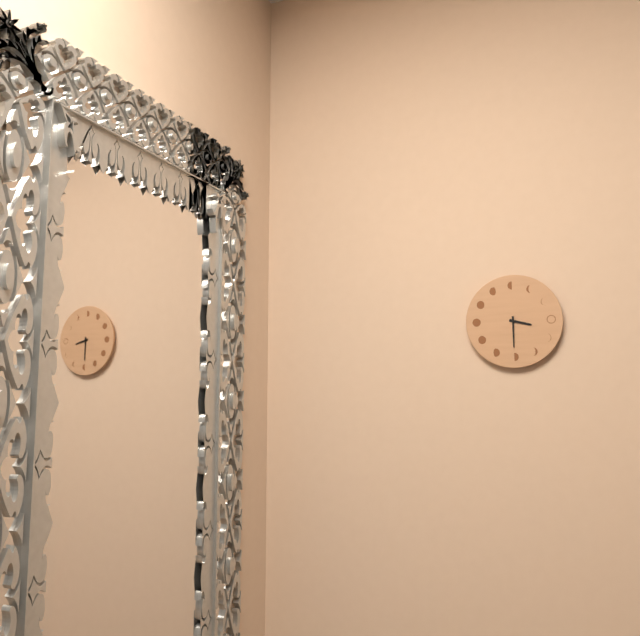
3:30
